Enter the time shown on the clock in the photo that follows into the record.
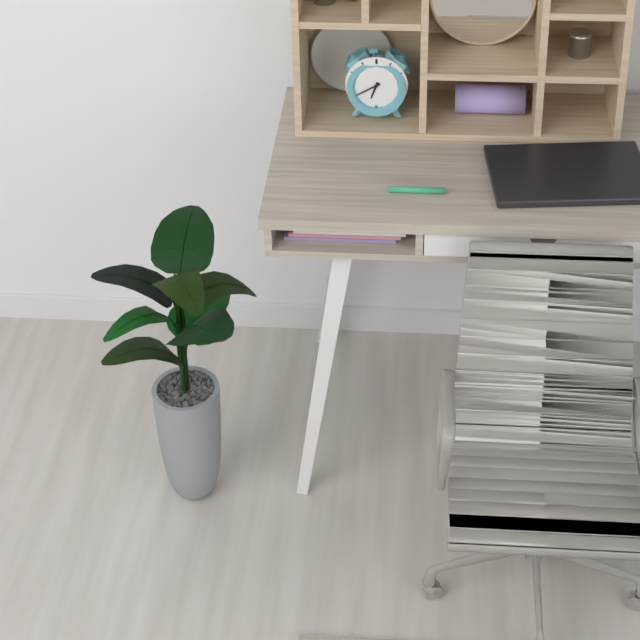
6:40
